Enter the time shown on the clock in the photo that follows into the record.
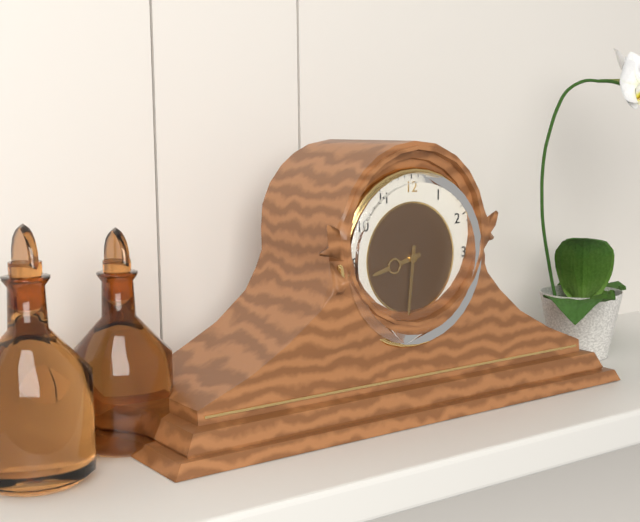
8:31
